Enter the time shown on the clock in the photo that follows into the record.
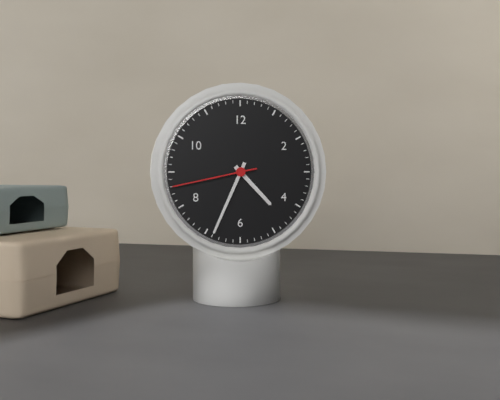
4:34:43
